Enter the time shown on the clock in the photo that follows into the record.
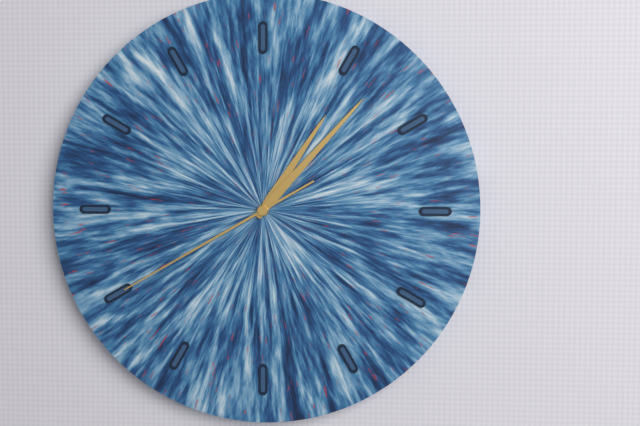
1:07:40
